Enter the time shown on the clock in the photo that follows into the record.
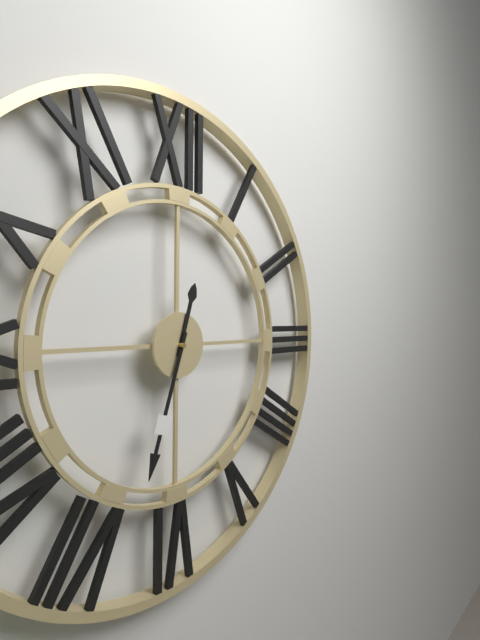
12:33
